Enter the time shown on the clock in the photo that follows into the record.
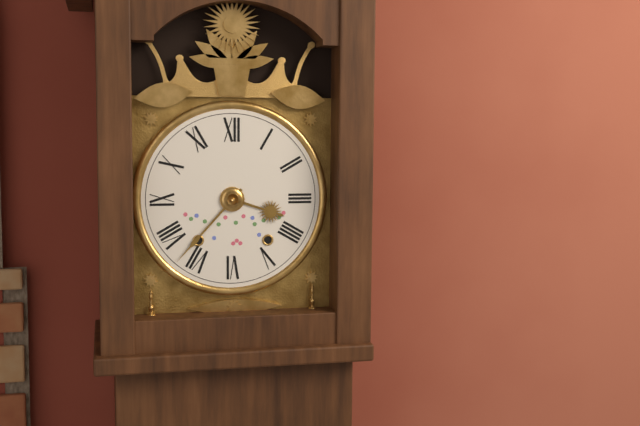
3:37
